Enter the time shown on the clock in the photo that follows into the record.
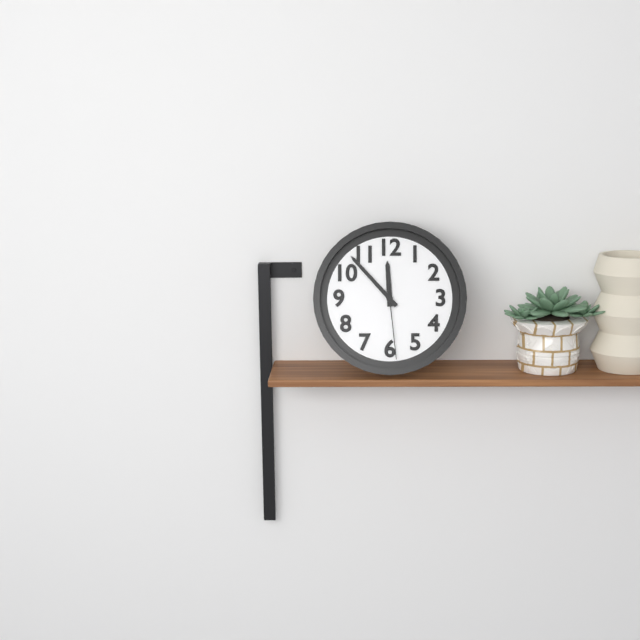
11:53:29
